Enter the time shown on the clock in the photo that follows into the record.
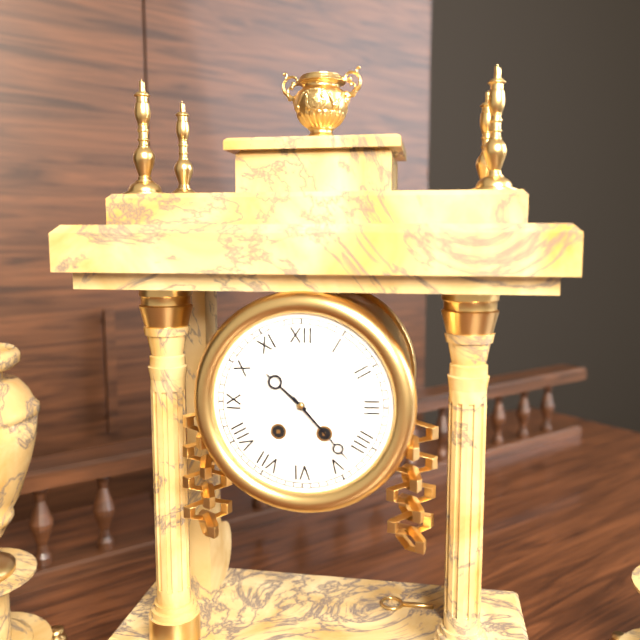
10:23
